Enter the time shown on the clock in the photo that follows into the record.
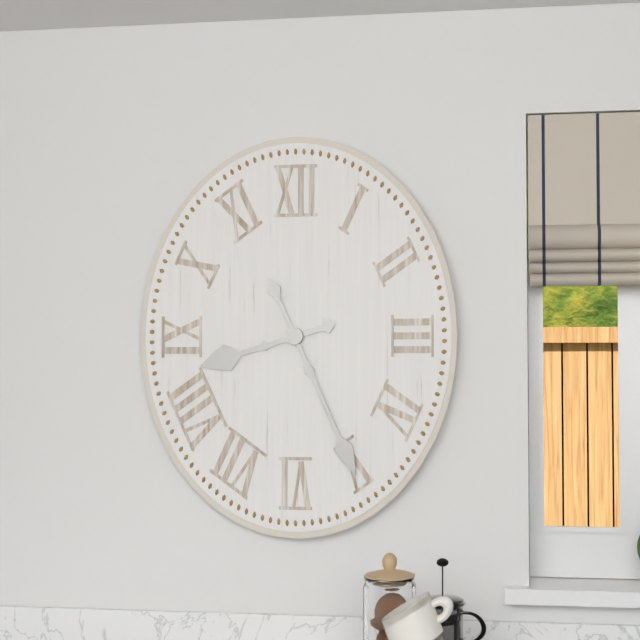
8:26
